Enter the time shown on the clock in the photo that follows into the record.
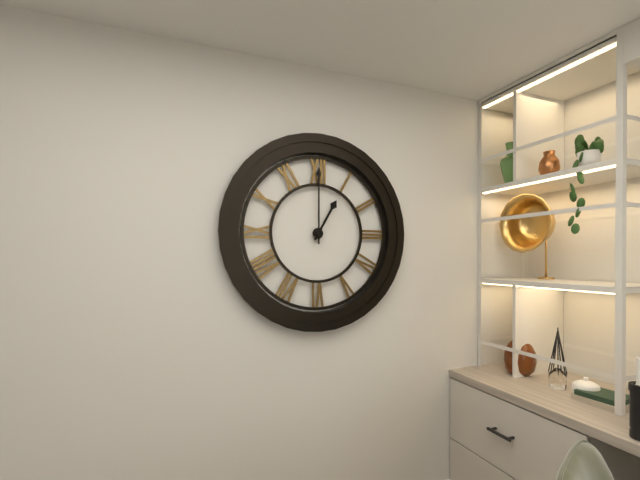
1:00
